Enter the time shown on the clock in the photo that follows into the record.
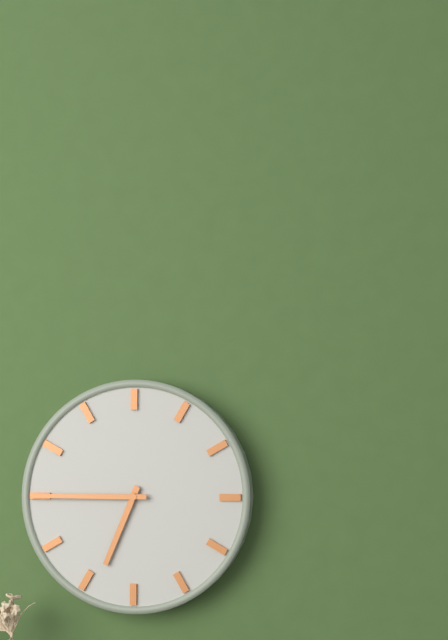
6:45
